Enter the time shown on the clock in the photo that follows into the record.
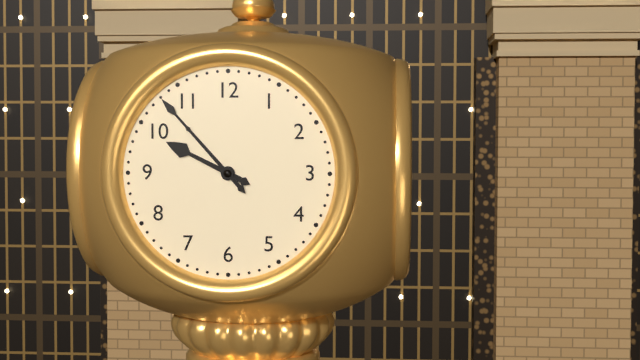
9:53
